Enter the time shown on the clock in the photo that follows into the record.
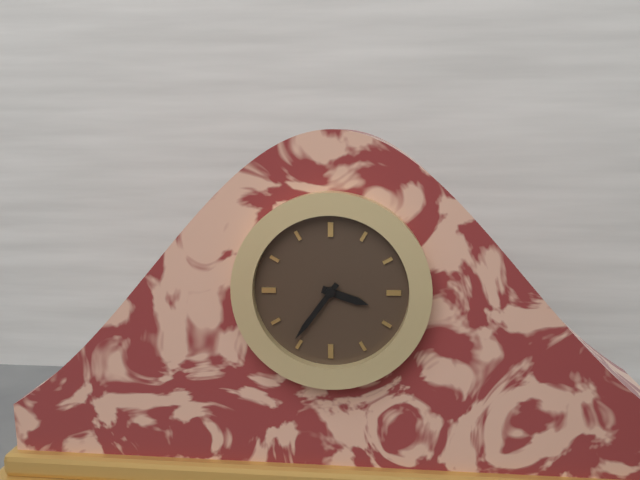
3:36
